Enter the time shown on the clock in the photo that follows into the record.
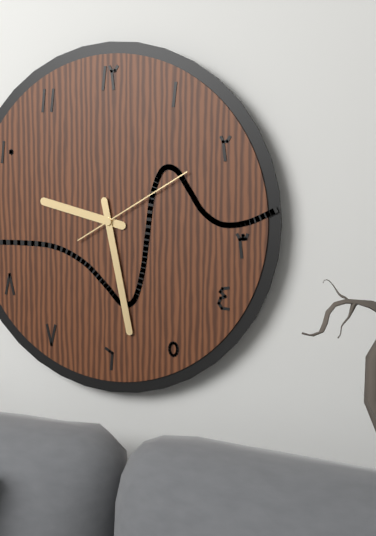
9:28:10
